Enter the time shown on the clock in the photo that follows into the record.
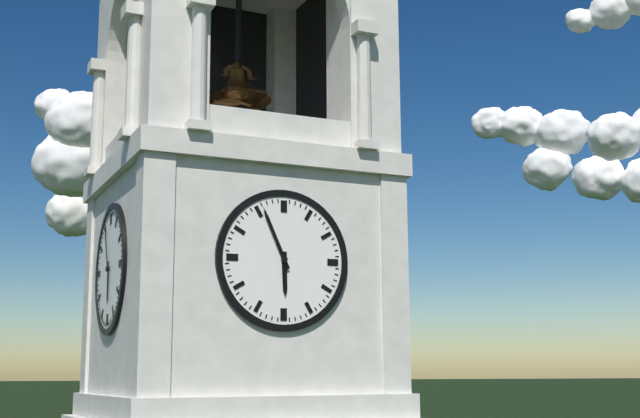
5:56
